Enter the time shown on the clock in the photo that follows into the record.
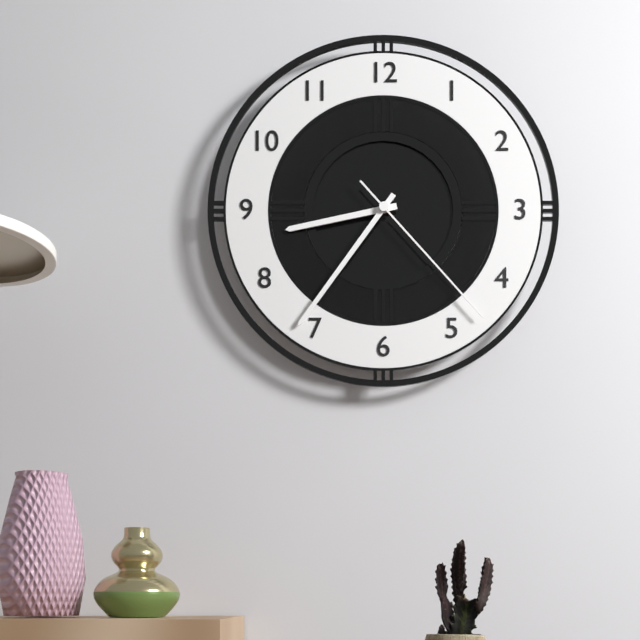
8:36:23
